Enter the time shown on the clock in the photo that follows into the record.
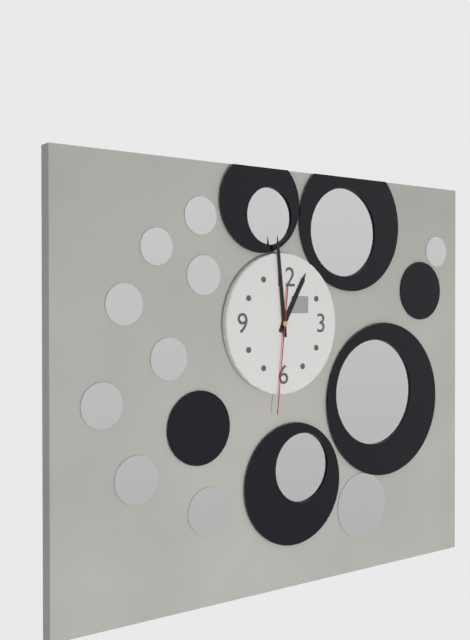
12:59:31
